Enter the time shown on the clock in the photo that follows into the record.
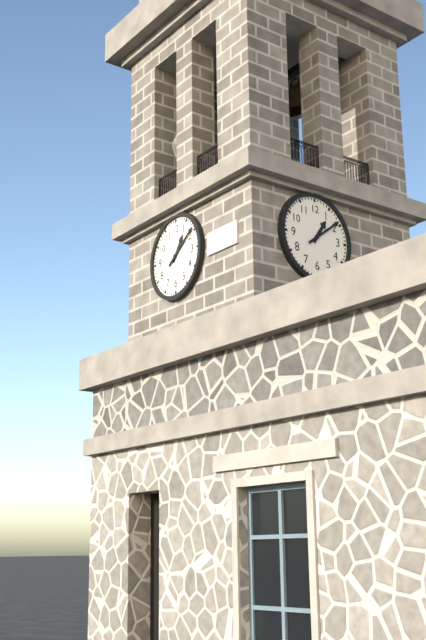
1:09
